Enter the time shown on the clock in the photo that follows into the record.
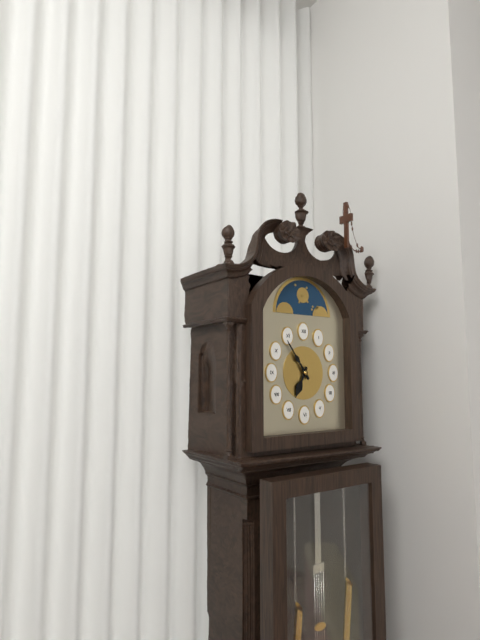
6:54
